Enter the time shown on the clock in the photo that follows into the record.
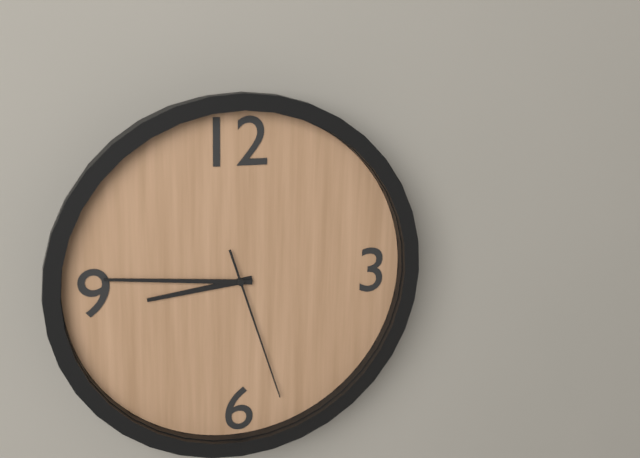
8:46:27
